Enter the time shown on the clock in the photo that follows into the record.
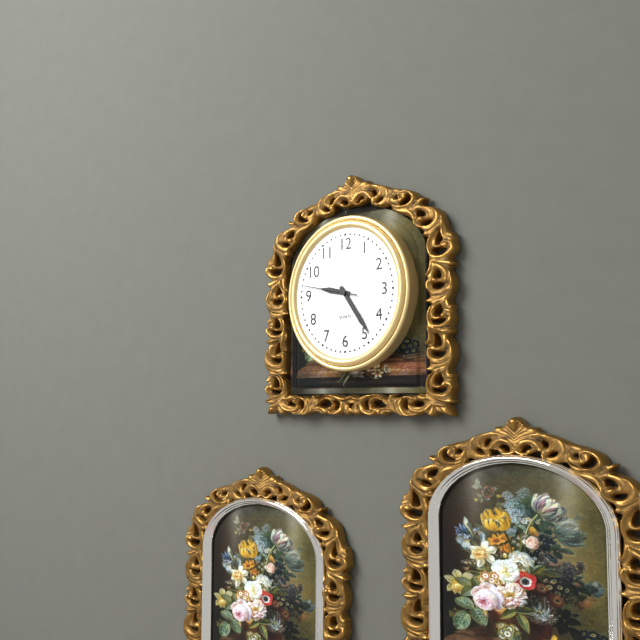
9:24:47
